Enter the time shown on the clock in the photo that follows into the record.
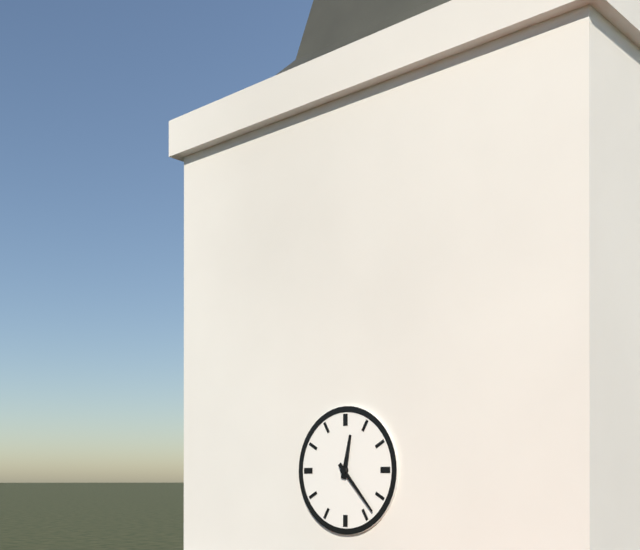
12:23
